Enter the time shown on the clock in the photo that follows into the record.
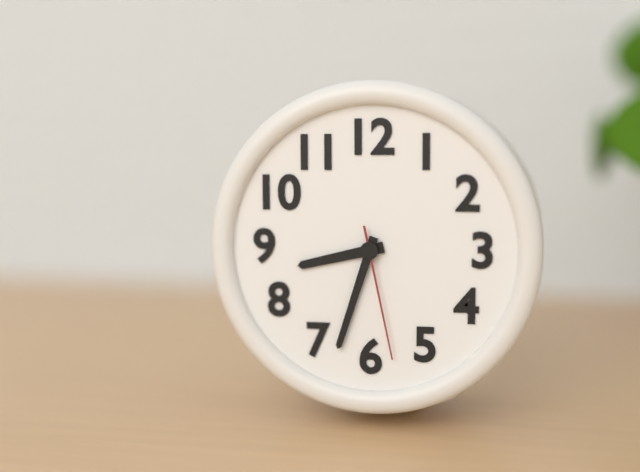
8:33:28
